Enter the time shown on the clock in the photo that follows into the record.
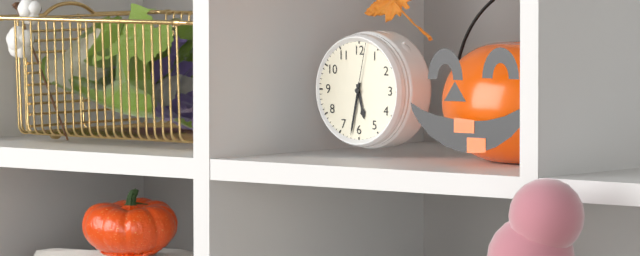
5:32:02
